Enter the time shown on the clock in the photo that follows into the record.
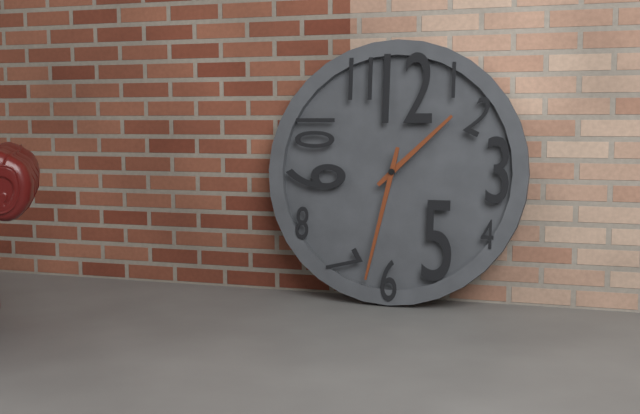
1:32
